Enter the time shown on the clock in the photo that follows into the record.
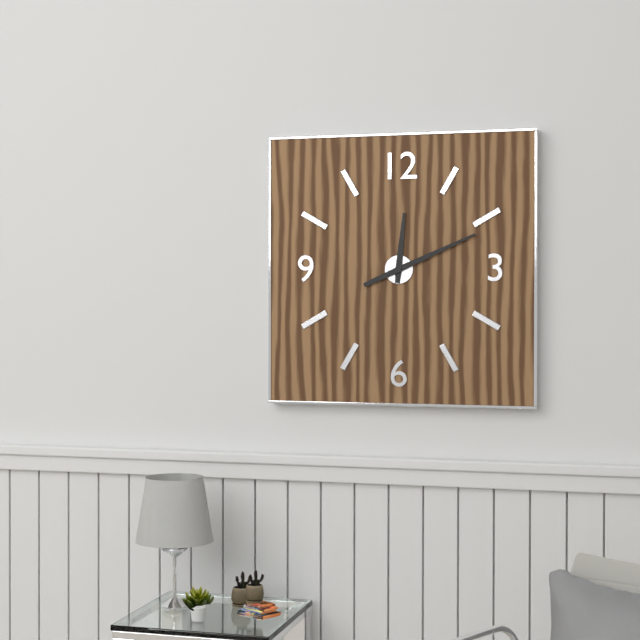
12:11
